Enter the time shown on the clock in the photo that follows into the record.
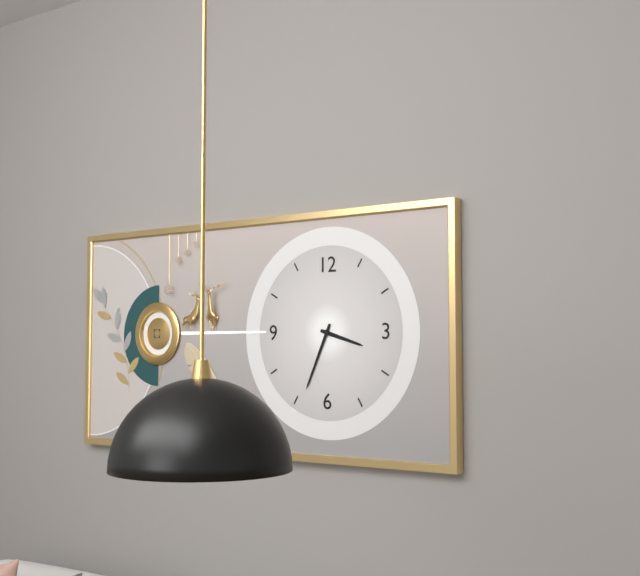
3:34
